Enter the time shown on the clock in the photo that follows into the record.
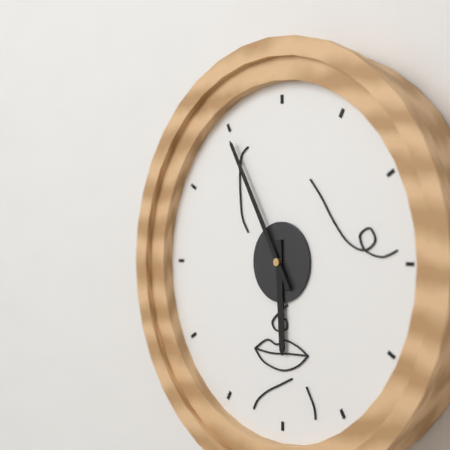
5:55
